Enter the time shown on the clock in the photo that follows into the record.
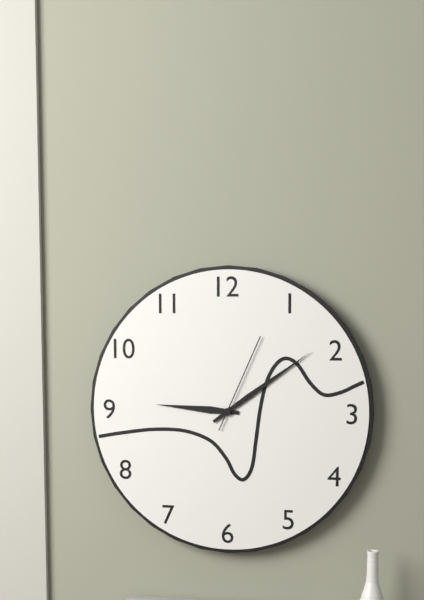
9:09:04
